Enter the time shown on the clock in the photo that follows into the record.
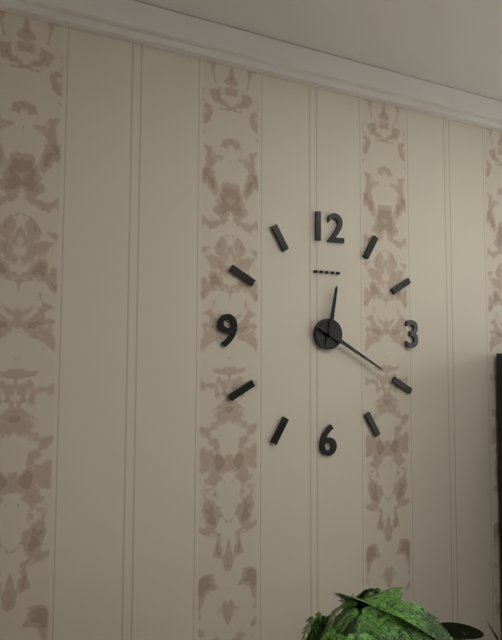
12:20
